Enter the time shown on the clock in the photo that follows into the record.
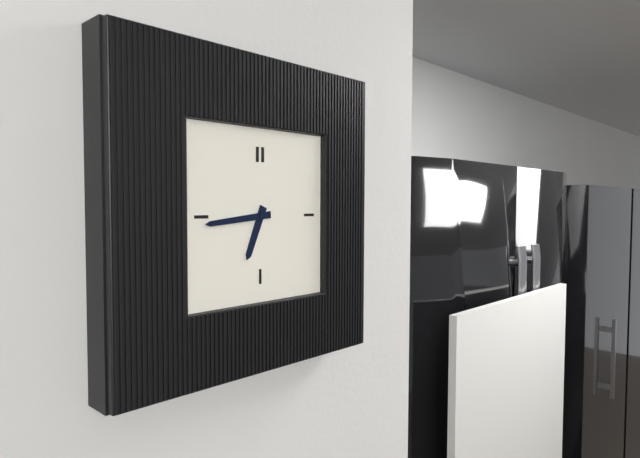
6:44
